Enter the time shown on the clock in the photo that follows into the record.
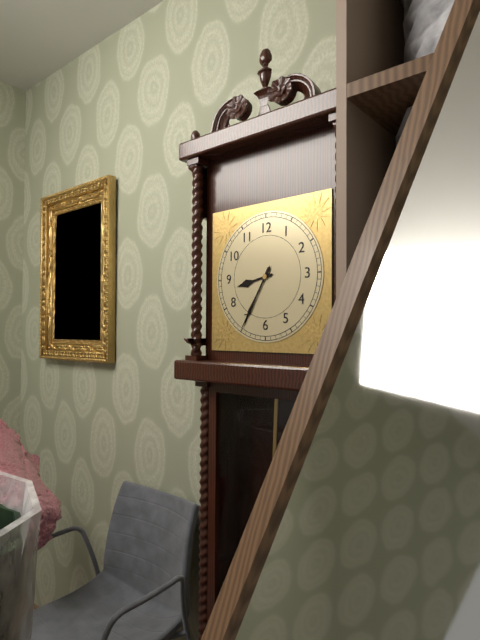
8:35
